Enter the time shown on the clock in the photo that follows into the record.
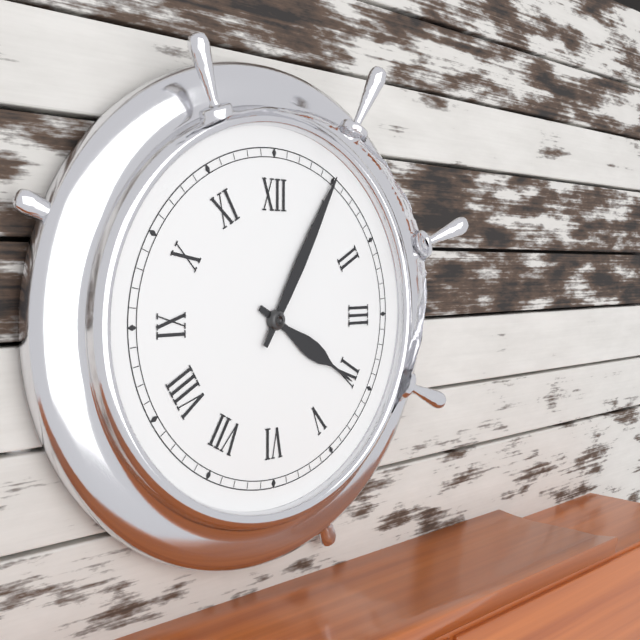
4:05
